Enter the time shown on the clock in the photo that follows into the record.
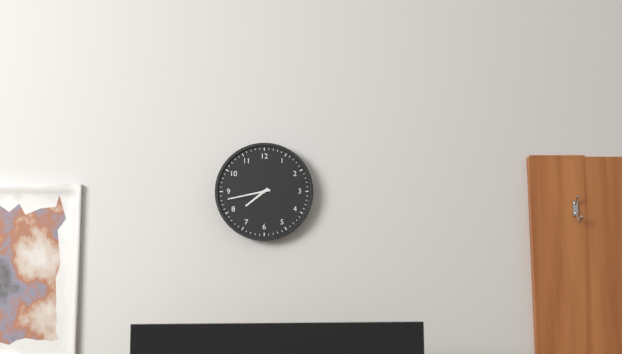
7:43
